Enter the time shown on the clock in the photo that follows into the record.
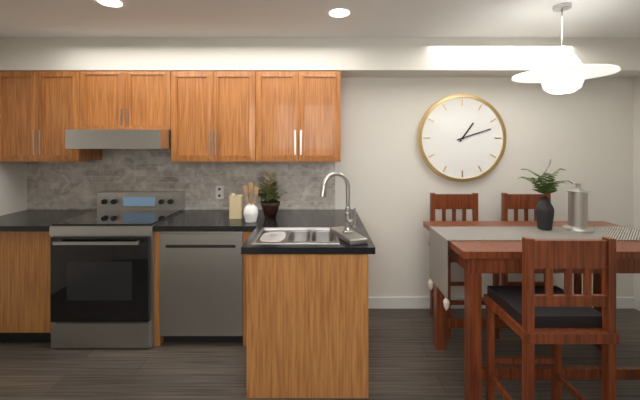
1:12
